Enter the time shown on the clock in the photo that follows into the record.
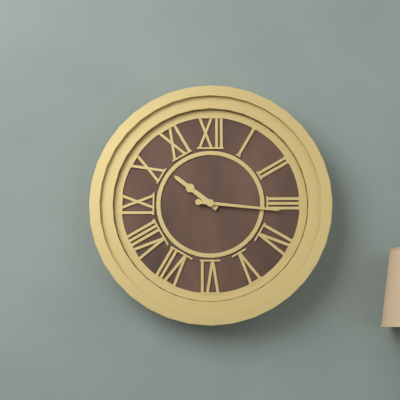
10:16
